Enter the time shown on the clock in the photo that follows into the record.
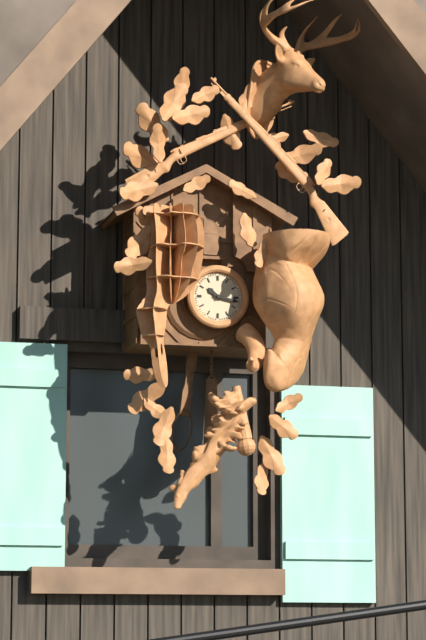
10:17
